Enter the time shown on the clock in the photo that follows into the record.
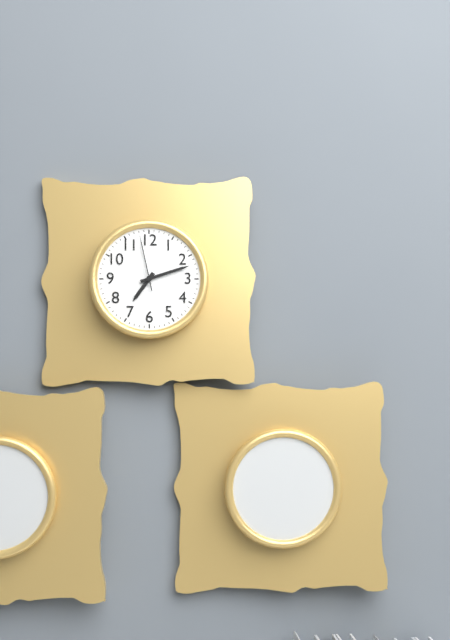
7:12:58
